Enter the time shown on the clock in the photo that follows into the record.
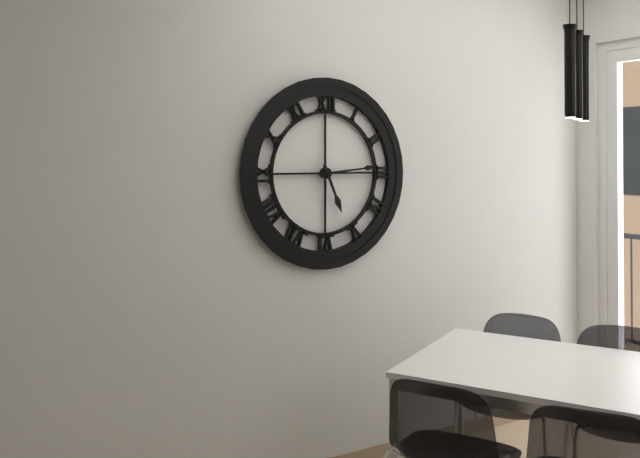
5:14
